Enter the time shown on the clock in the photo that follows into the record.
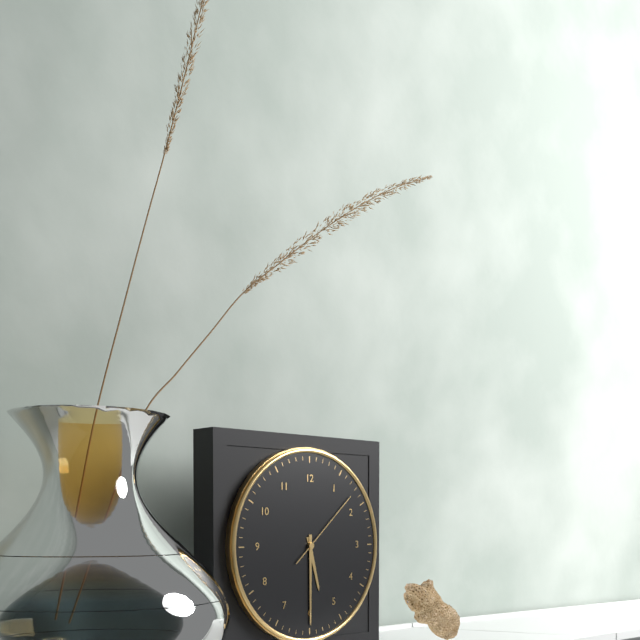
5:30:08
